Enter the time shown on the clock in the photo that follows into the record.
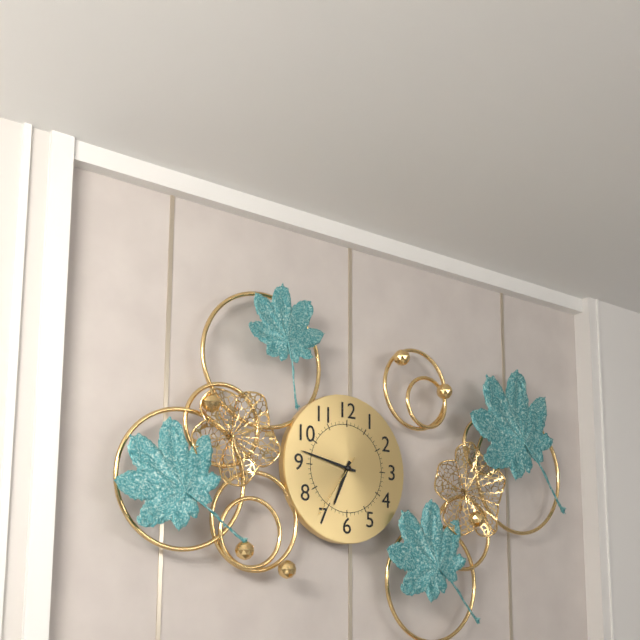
6:47:36
